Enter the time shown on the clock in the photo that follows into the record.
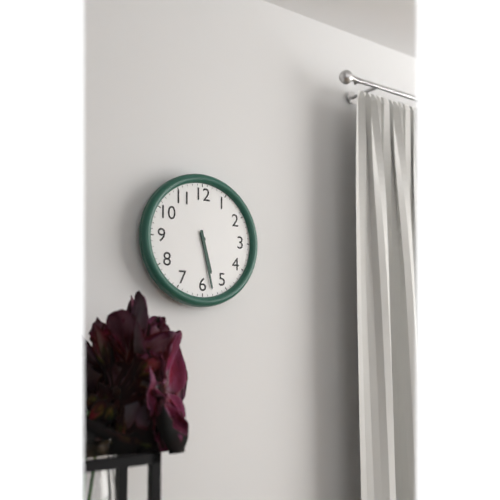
5:28
